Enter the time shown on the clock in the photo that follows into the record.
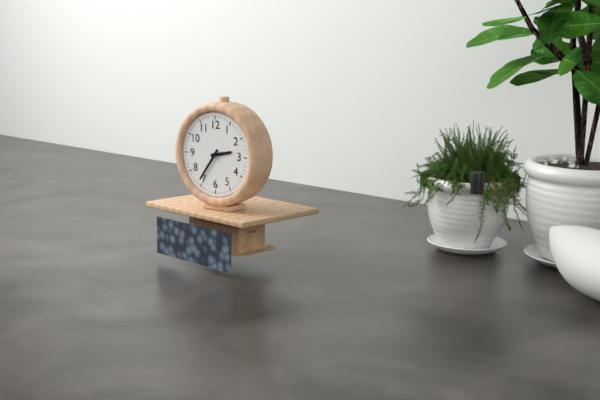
2:36
